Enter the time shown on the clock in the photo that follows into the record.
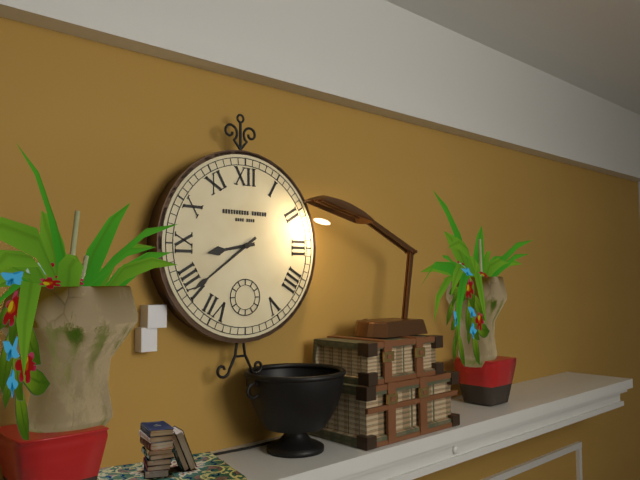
8:39
